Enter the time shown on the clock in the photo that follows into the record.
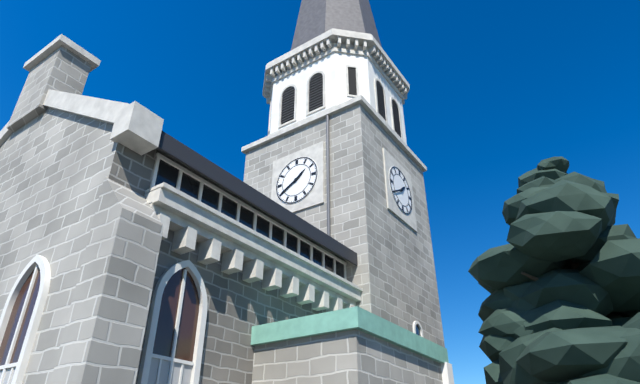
1:40
